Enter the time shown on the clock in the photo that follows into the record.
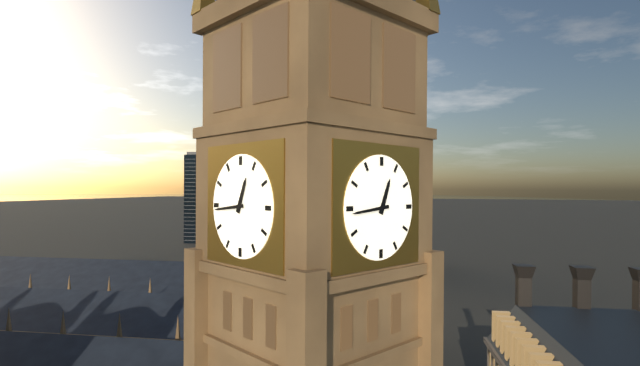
12:44
